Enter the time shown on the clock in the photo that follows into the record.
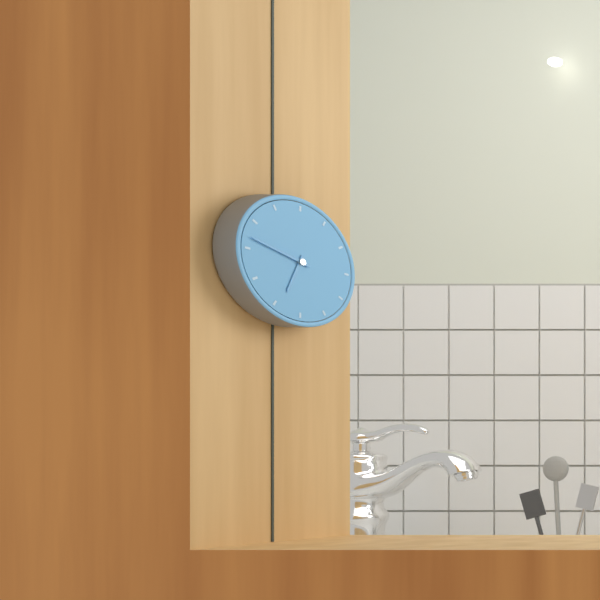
6:47
